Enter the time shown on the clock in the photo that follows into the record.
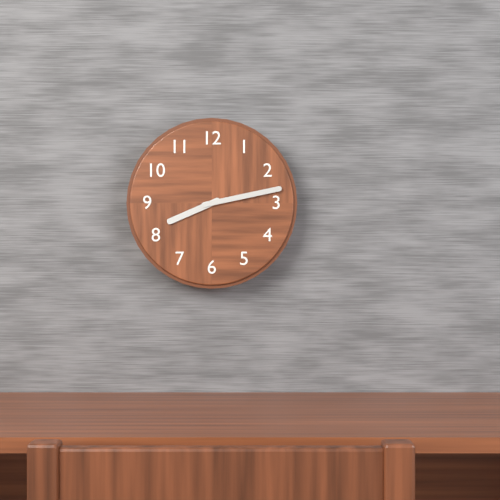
8:13
